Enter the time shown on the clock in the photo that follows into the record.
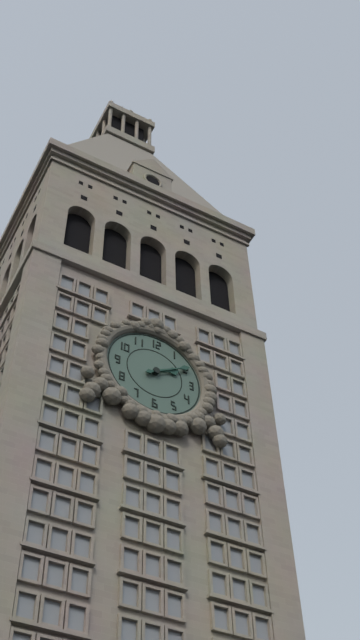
2:10
